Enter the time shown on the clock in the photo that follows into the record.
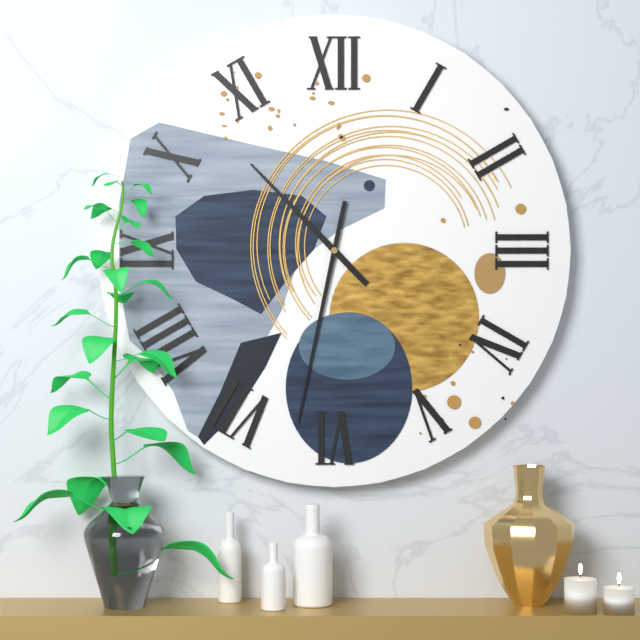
10:32
